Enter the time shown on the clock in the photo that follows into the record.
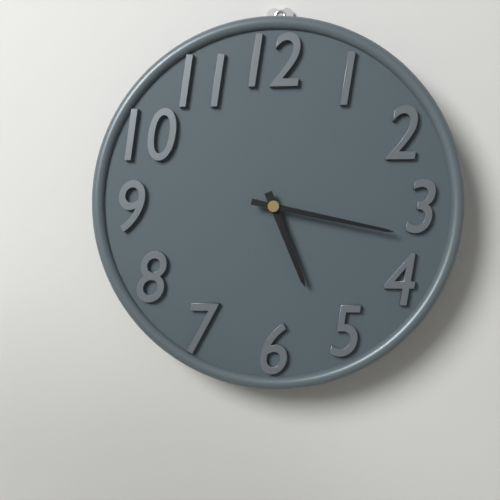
5:17
